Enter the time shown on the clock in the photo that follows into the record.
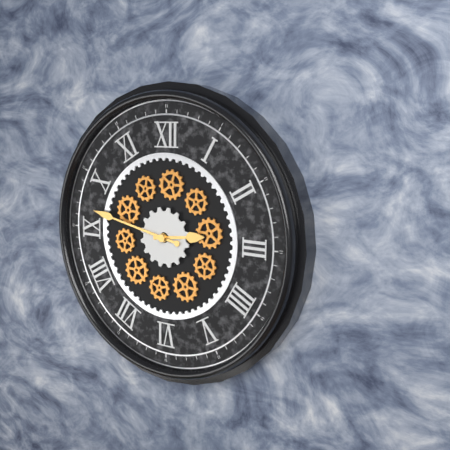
2:47
